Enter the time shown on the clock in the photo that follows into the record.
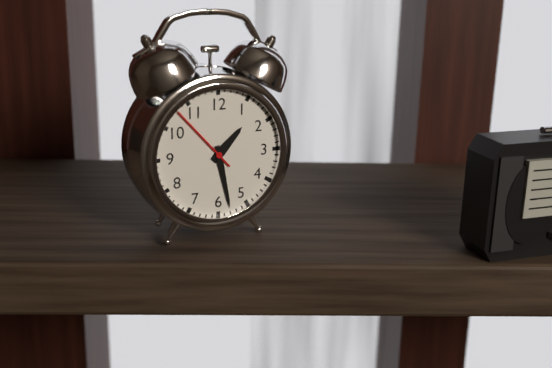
1:28:53
